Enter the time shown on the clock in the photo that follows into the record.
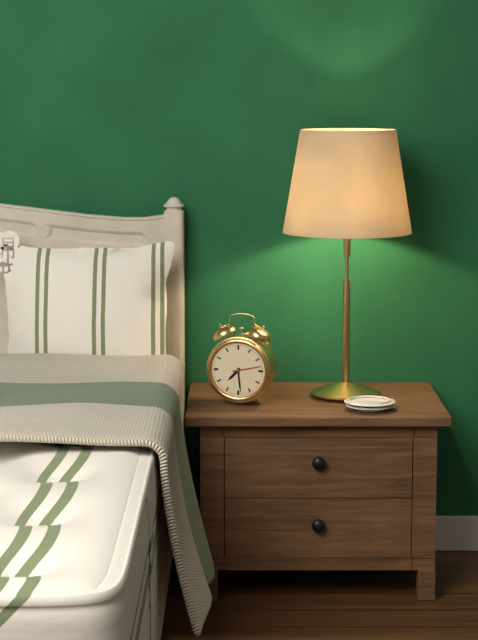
7:29
